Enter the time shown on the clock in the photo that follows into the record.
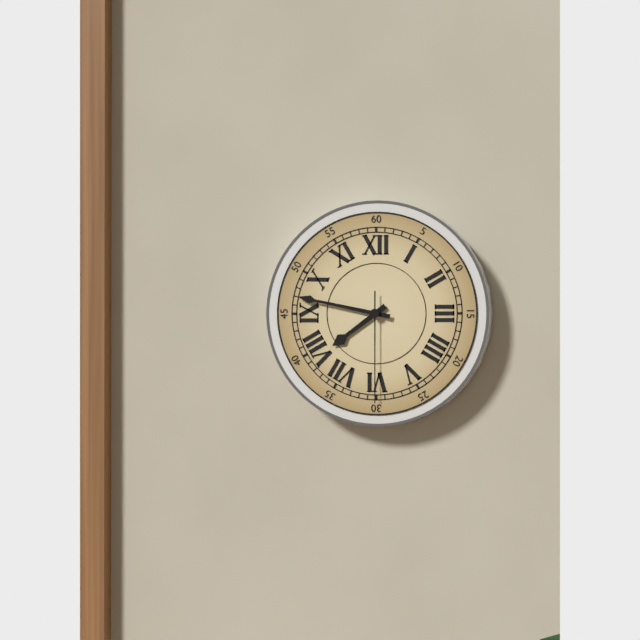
7:47:30
